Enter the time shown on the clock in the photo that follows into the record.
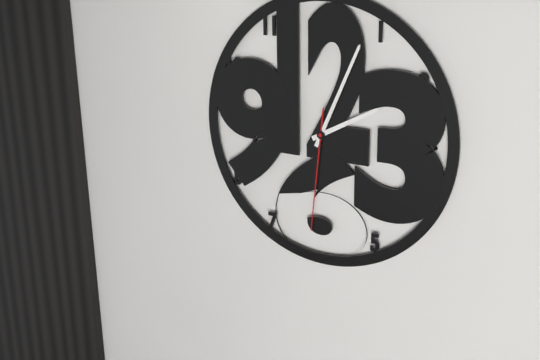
2:04:31
